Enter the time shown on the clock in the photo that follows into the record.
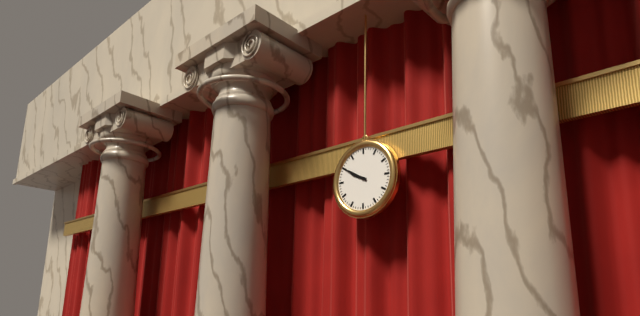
9:50
